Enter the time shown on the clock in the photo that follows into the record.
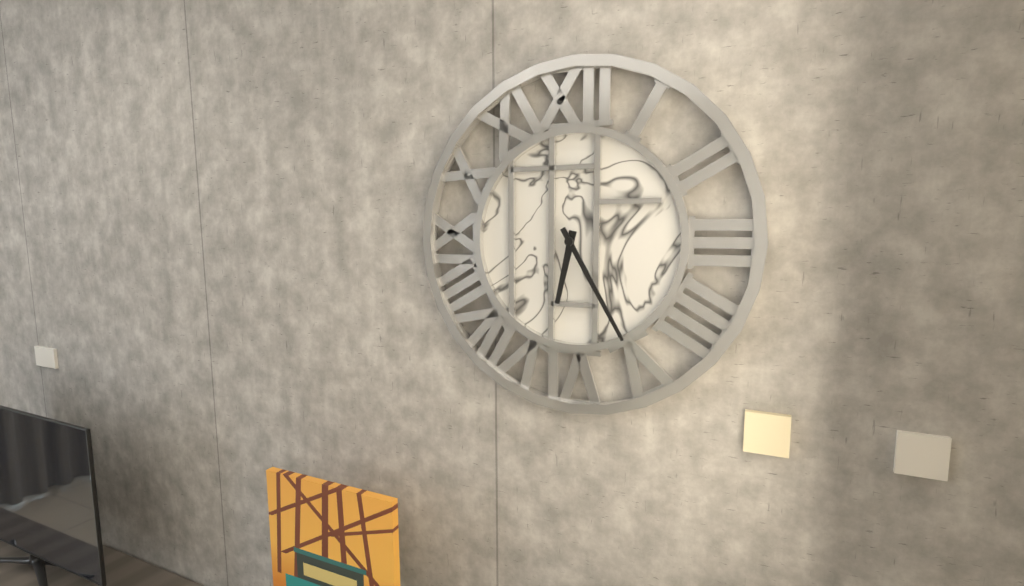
6:25
